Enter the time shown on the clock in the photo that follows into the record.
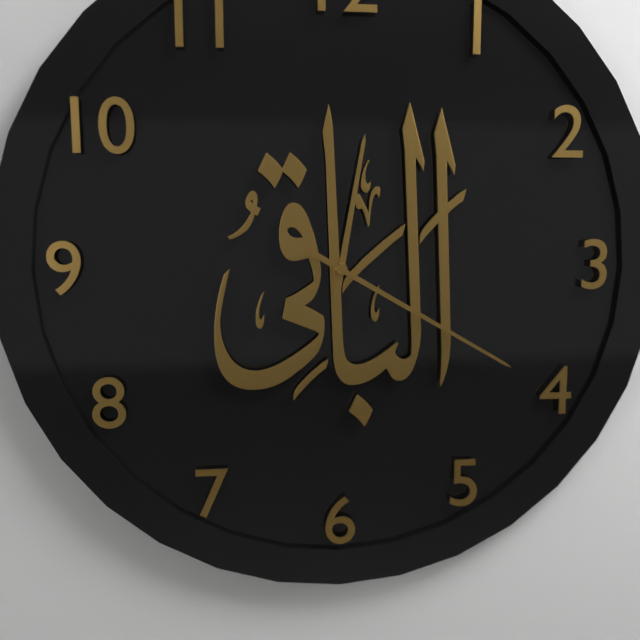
12:20
